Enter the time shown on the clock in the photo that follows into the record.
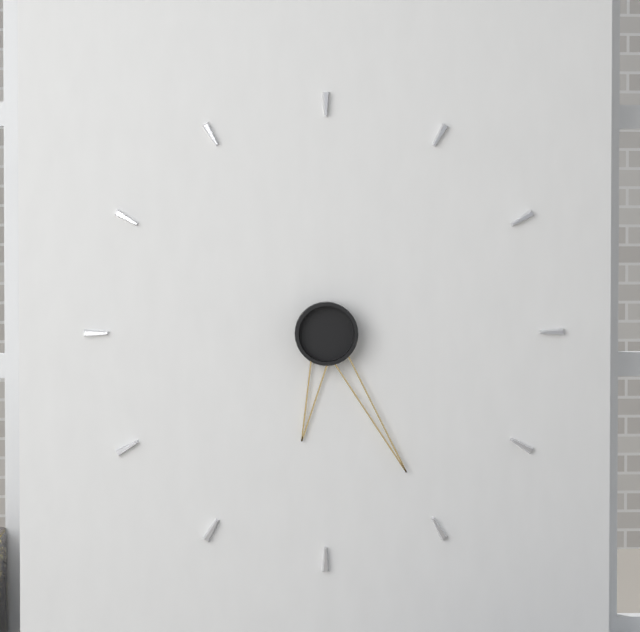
6:25
